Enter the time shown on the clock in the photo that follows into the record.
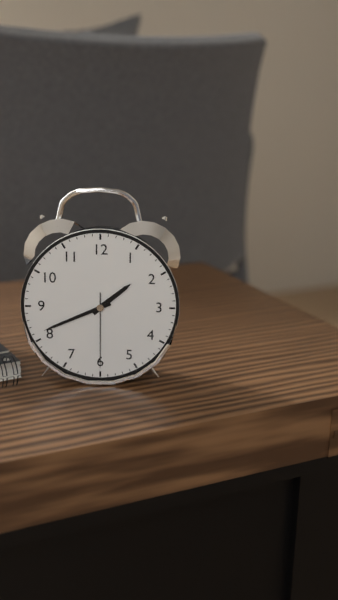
1:41:30
